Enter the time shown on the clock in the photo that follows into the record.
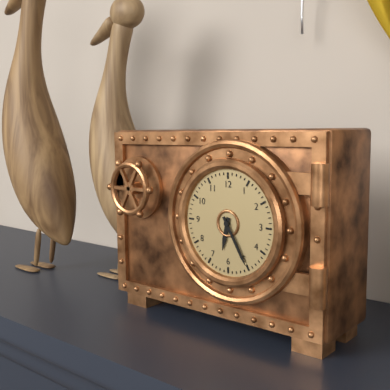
6:25
